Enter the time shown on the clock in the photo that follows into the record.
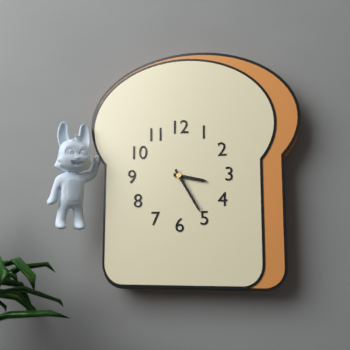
3:25
